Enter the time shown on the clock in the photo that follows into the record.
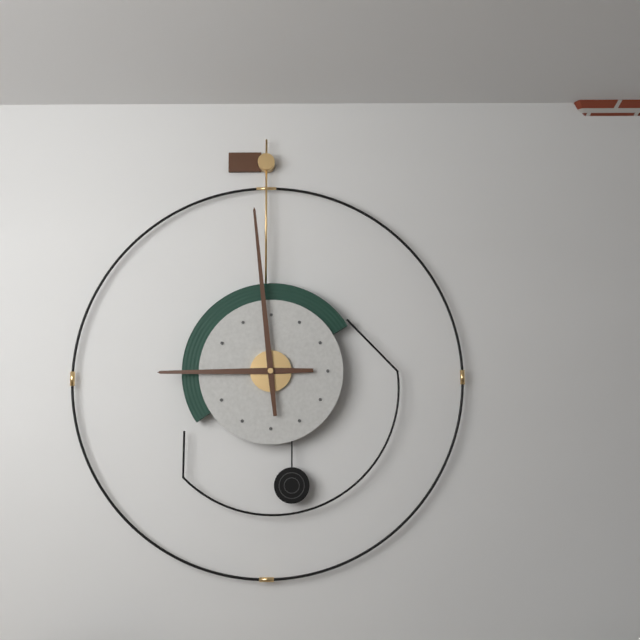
8:59
